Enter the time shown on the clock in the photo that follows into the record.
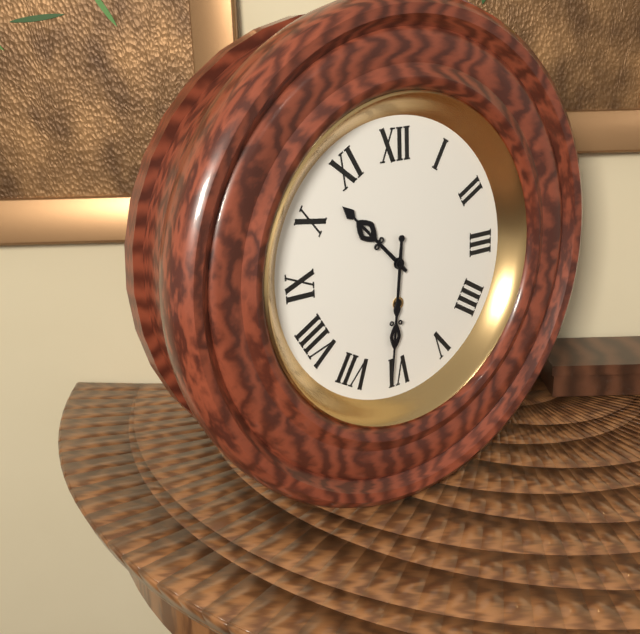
10:31
